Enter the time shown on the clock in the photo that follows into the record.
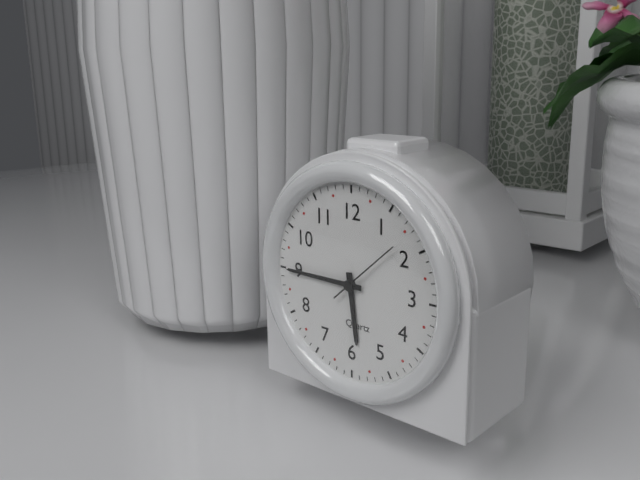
5:45:08
